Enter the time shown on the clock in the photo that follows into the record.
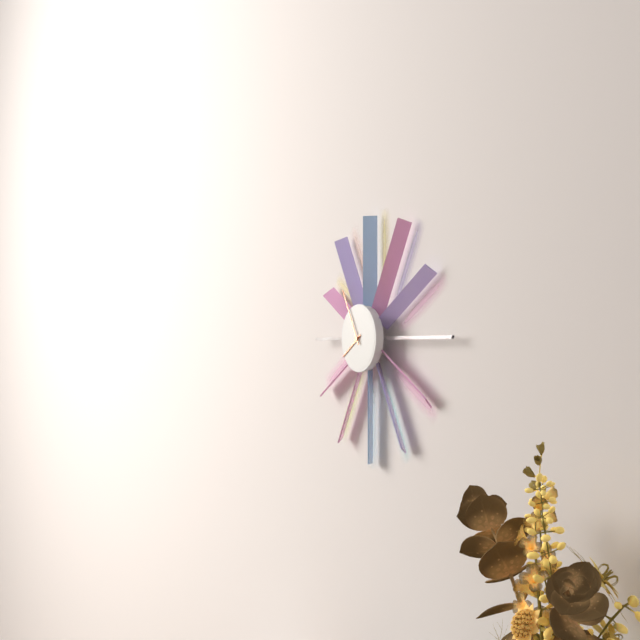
7:55
